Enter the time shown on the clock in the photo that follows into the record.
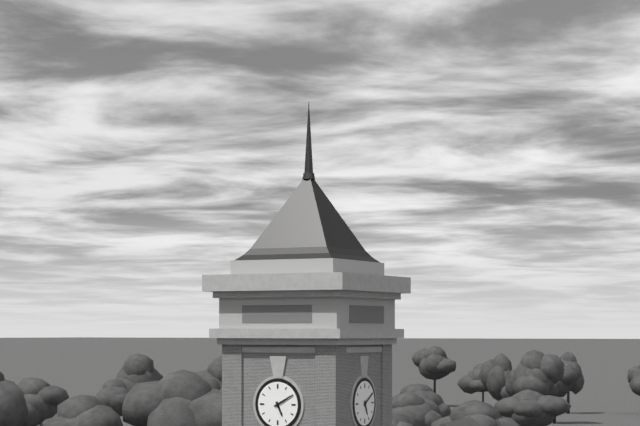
5:10
